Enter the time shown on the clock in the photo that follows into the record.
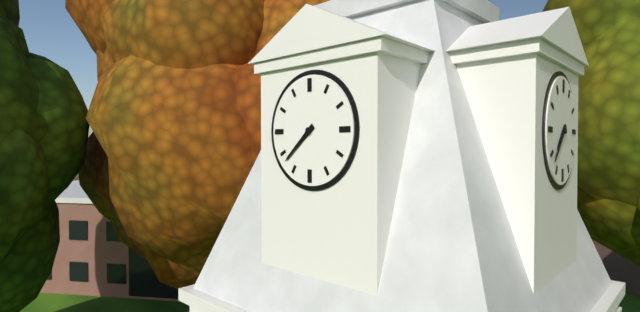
7:38
